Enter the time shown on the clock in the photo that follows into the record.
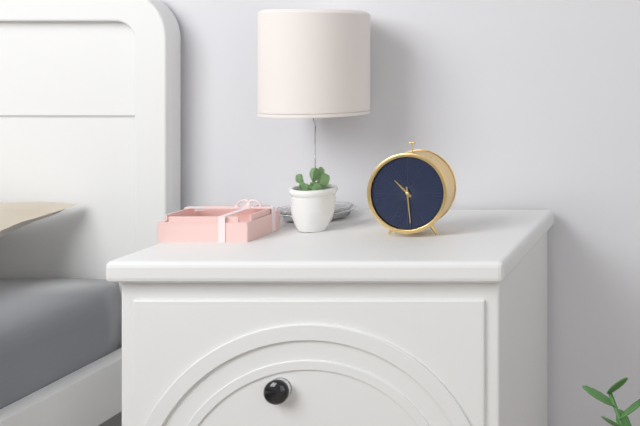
10:29
